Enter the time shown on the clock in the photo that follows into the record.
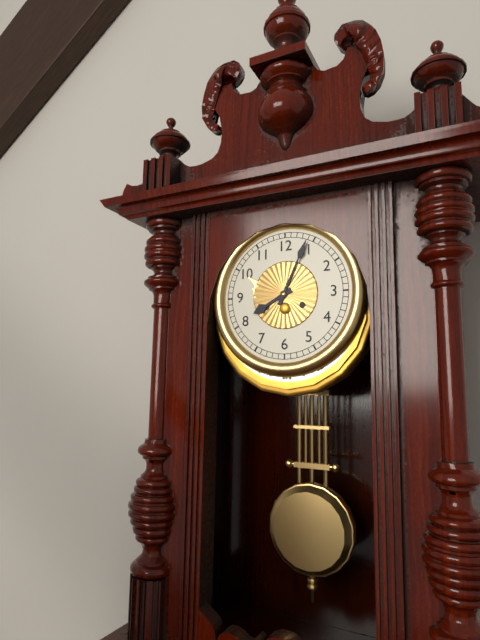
8:04
